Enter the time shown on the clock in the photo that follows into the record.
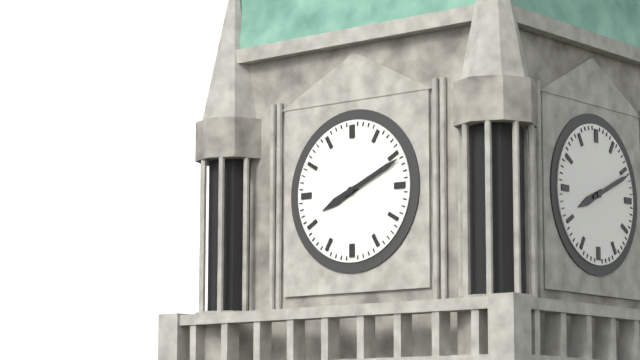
8:11
